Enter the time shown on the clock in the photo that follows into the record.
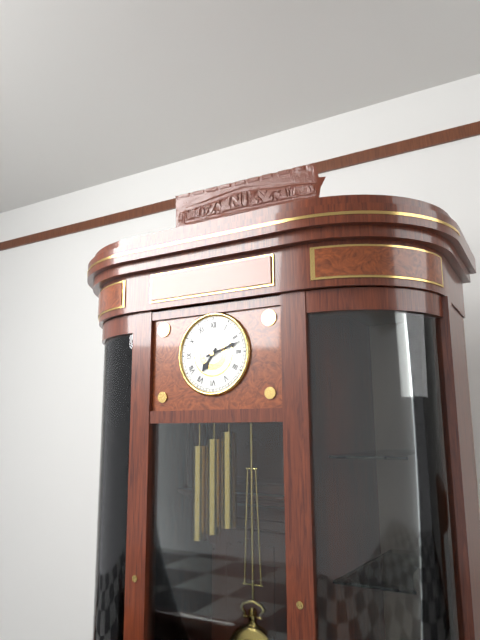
7:12
